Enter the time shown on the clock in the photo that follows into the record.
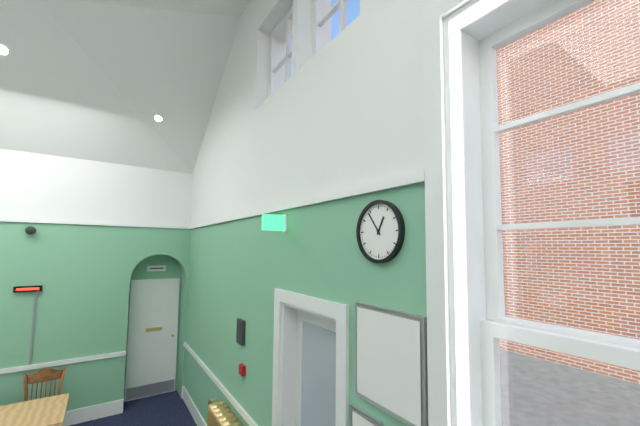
12:54
